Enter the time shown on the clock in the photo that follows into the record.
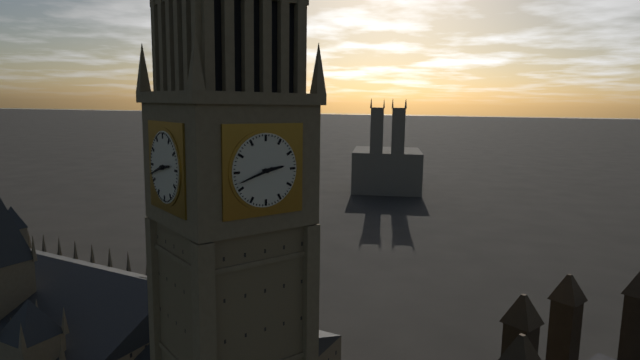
2:42
